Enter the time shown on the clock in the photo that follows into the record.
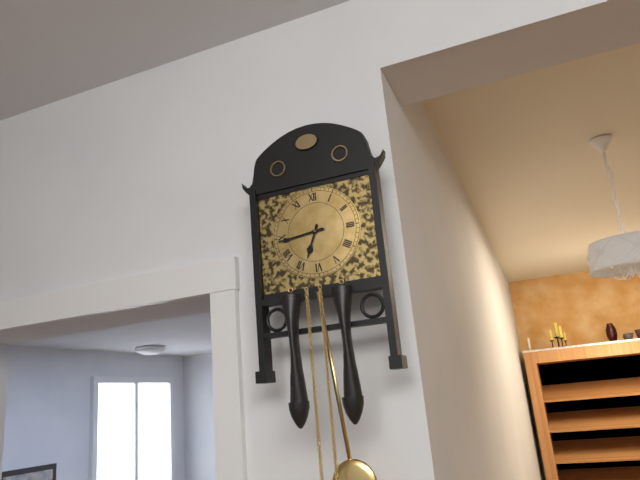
6:44
